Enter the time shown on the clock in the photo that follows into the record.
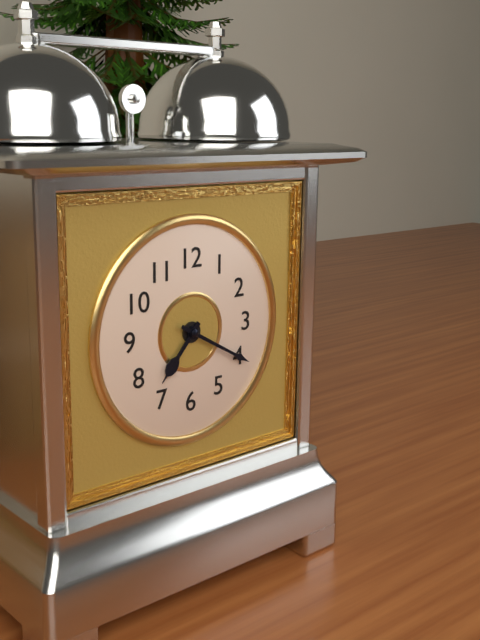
7:20
